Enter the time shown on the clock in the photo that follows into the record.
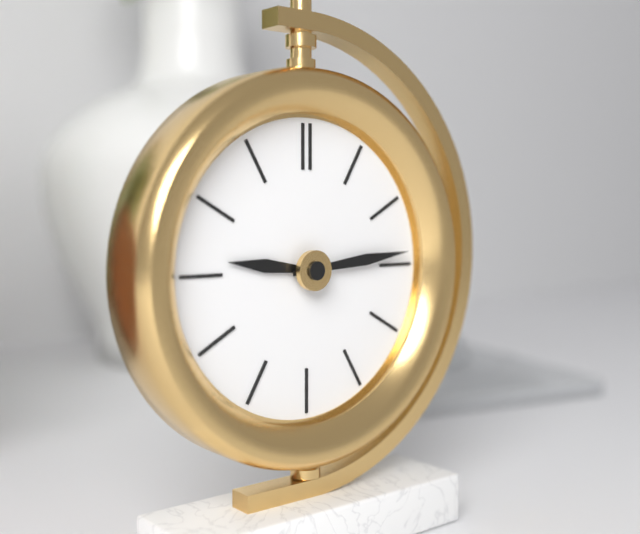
9:14
